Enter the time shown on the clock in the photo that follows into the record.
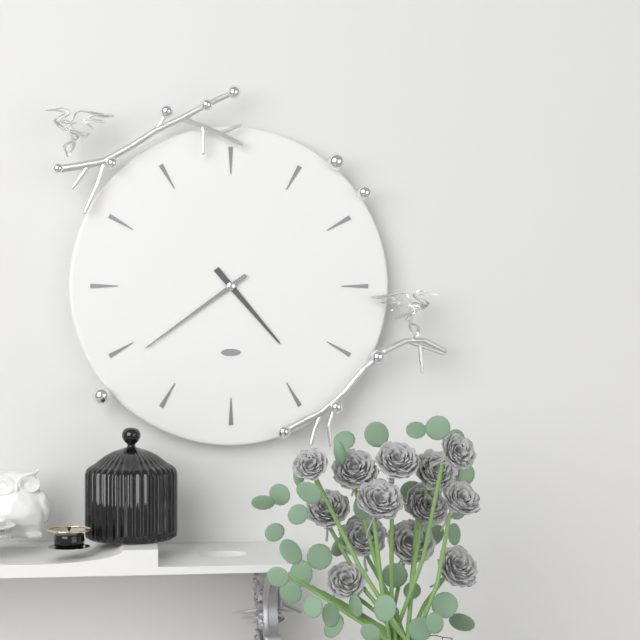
4:39
